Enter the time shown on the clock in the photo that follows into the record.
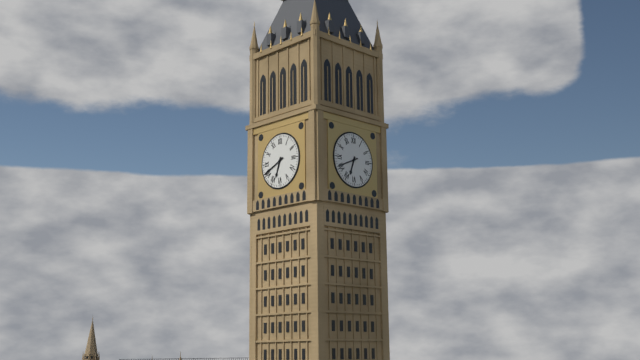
6:41
